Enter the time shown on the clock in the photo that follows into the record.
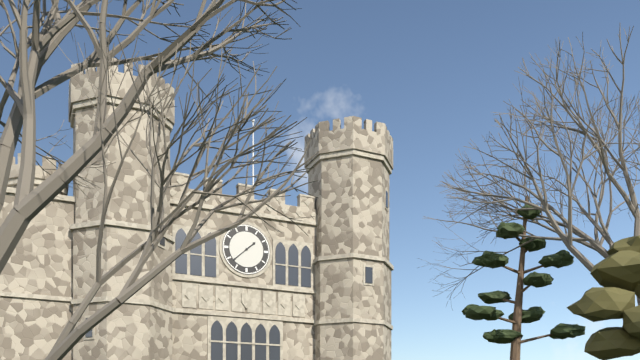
1:38
